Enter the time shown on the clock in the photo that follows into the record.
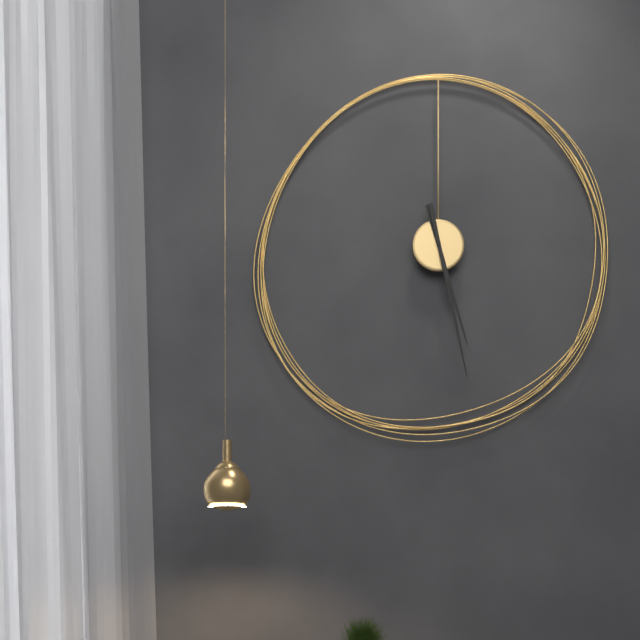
5:28
